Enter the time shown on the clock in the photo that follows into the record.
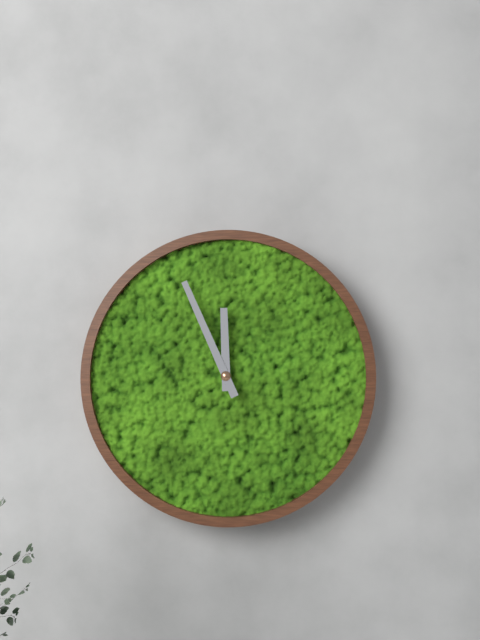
11:56
